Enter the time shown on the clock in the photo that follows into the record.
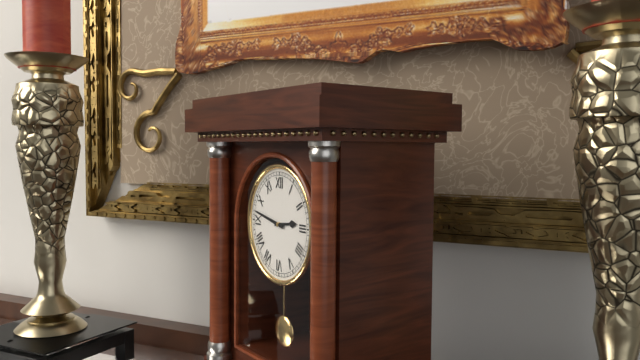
2:47
